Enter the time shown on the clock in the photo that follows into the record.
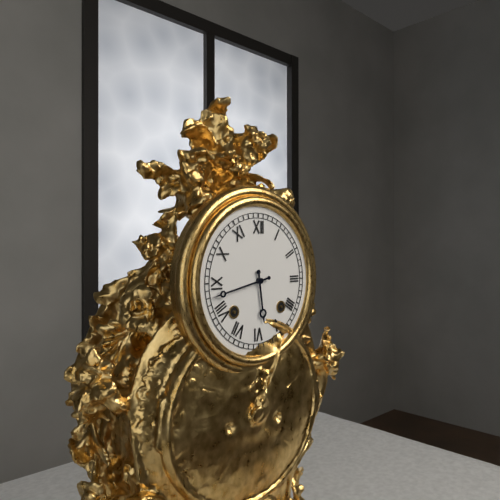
5:43
